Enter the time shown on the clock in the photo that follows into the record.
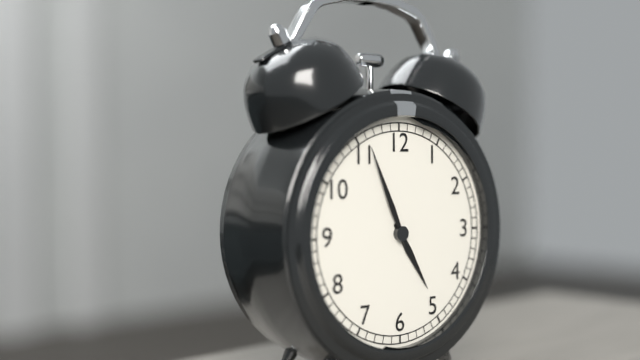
4:56
